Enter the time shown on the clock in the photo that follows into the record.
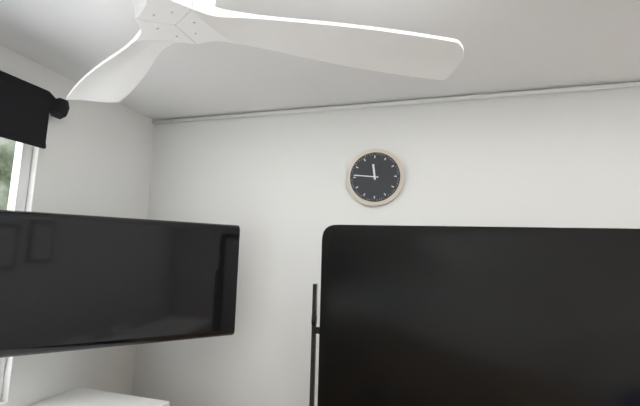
11:46
